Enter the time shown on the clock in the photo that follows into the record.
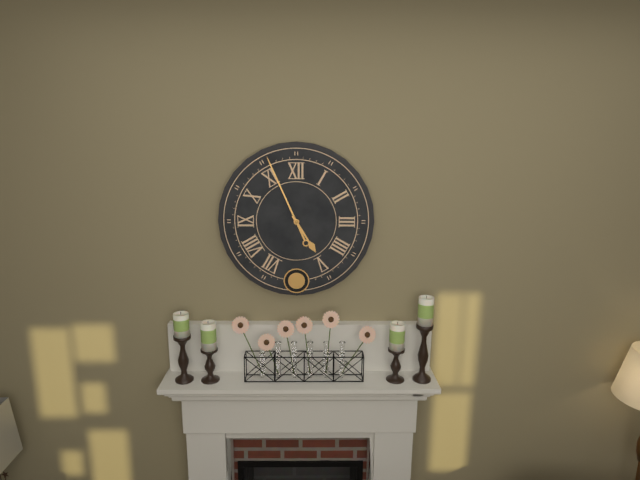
4:56
